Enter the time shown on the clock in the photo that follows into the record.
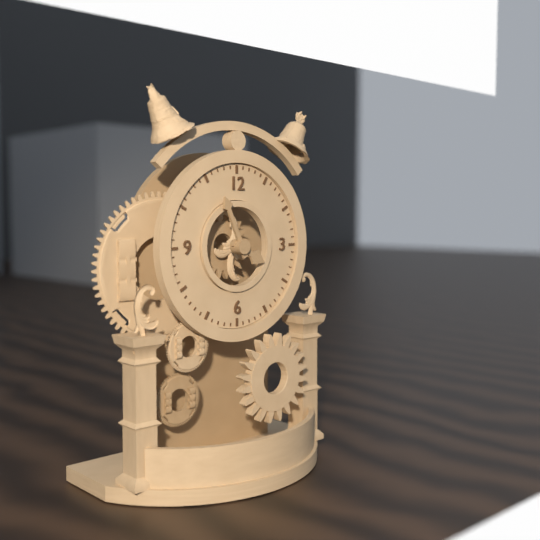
3:56
